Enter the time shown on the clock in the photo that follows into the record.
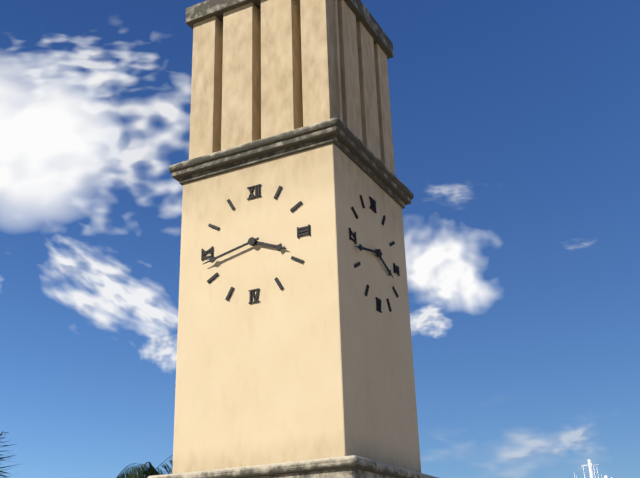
3:43
